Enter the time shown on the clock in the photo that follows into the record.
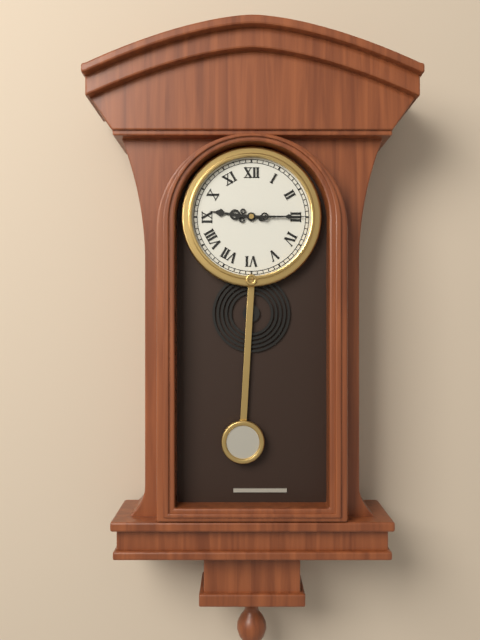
9:15
